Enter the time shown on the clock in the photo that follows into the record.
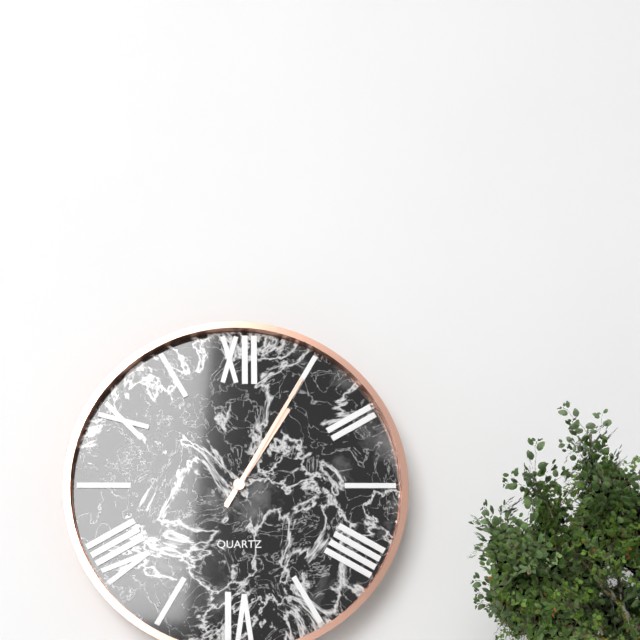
1:05
